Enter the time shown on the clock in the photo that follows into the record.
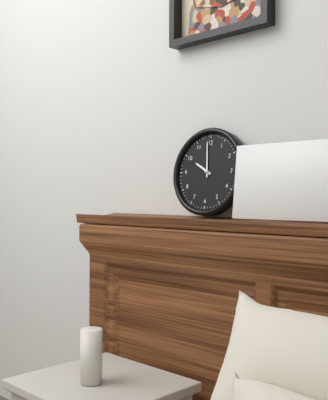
9:59
